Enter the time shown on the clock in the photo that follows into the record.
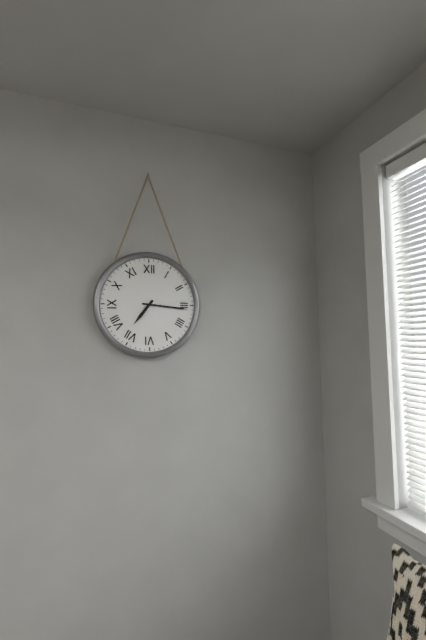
7:16
